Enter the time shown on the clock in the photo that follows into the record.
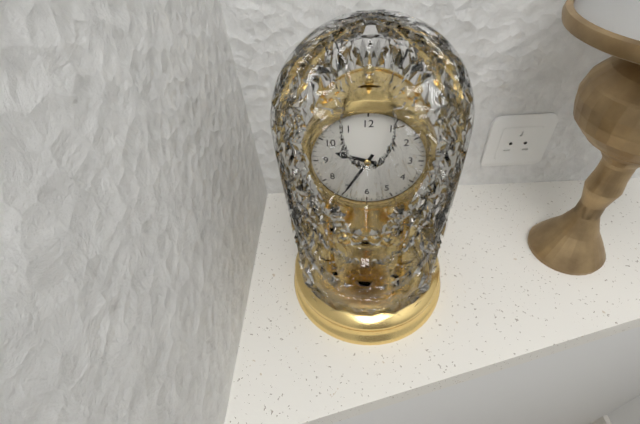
9:35
